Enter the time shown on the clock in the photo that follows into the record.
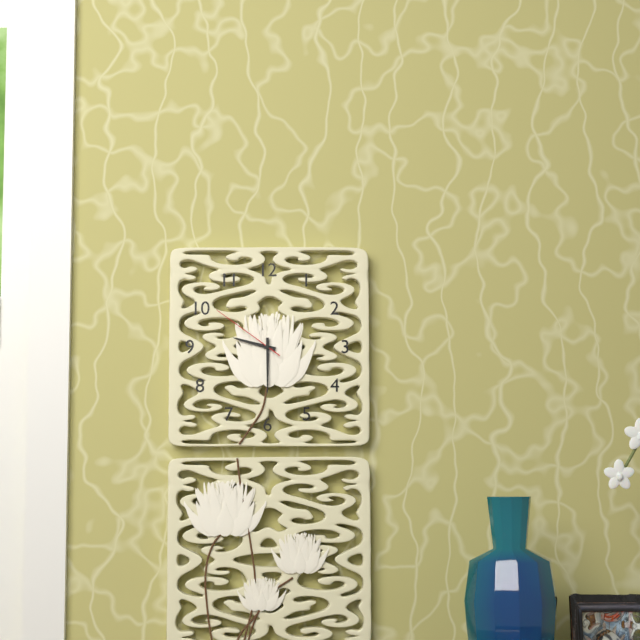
9:30:51
